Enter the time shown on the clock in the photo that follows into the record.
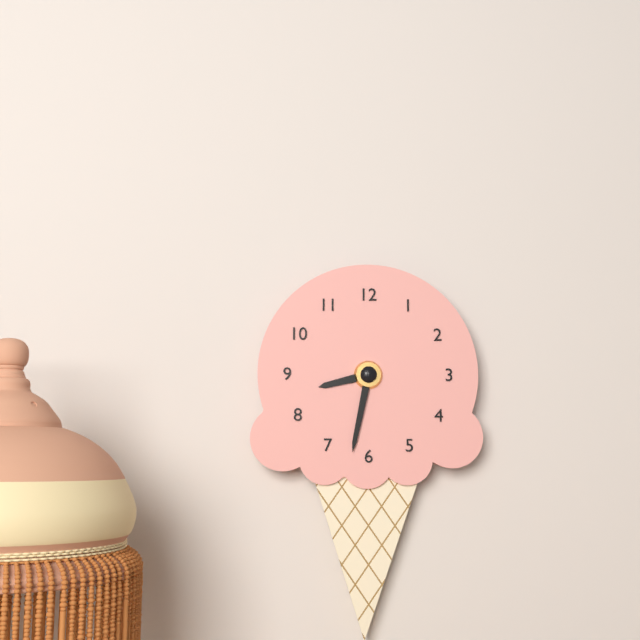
8:32
